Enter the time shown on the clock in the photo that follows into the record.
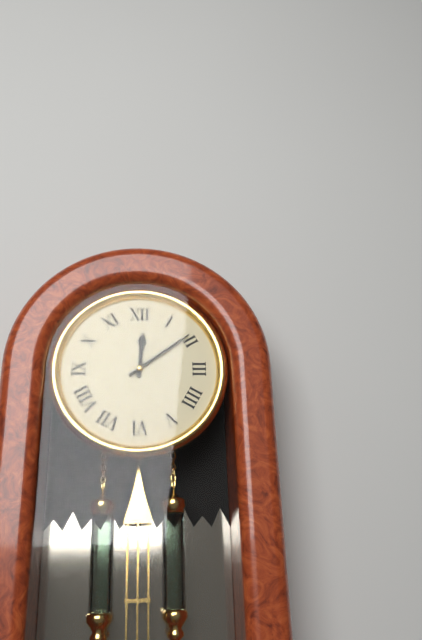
12:09
